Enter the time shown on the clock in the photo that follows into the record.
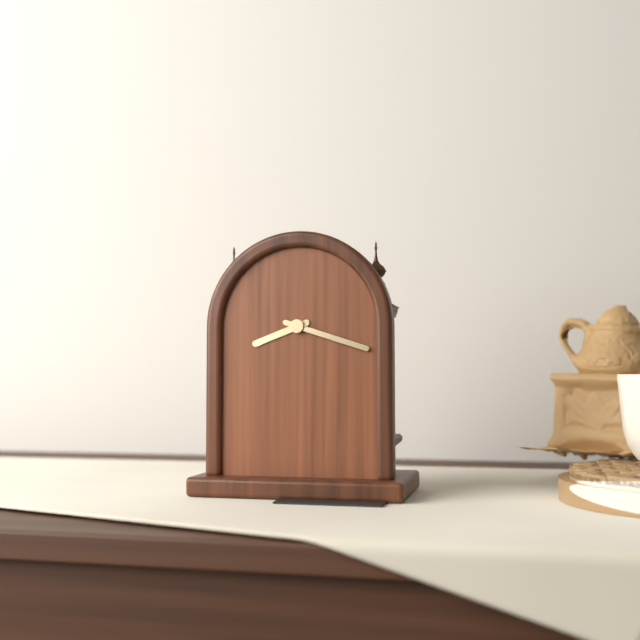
8:18
